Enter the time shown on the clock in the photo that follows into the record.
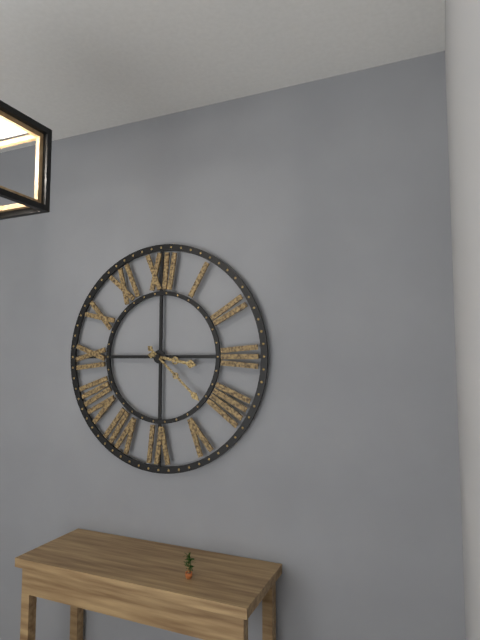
3:22
